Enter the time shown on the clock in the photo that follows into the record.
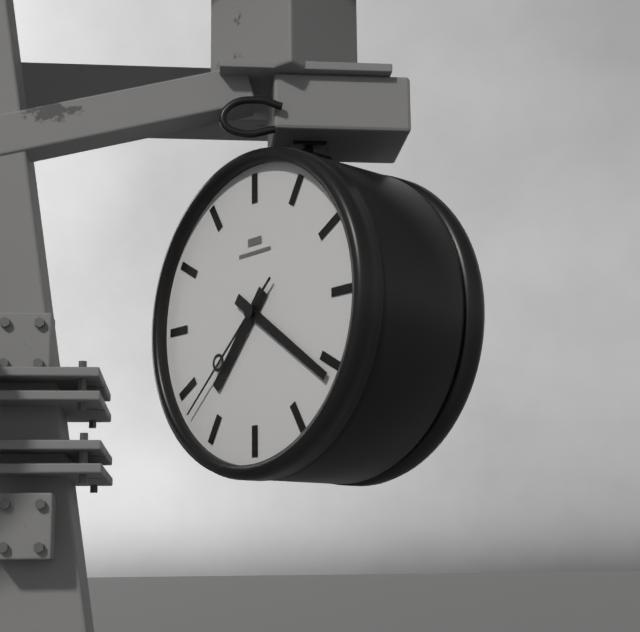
7:21:38
